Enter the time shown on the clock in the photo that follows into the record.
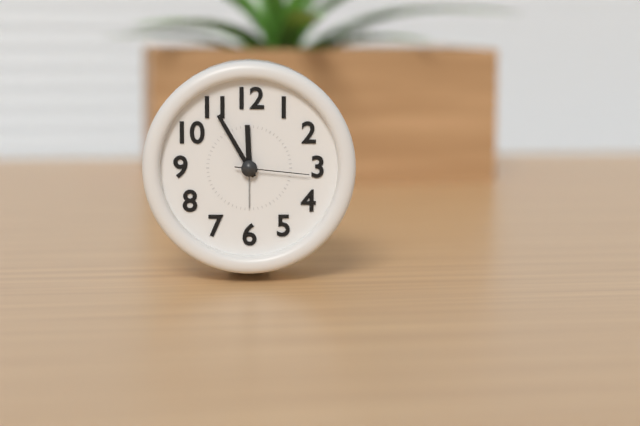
11:55:16
